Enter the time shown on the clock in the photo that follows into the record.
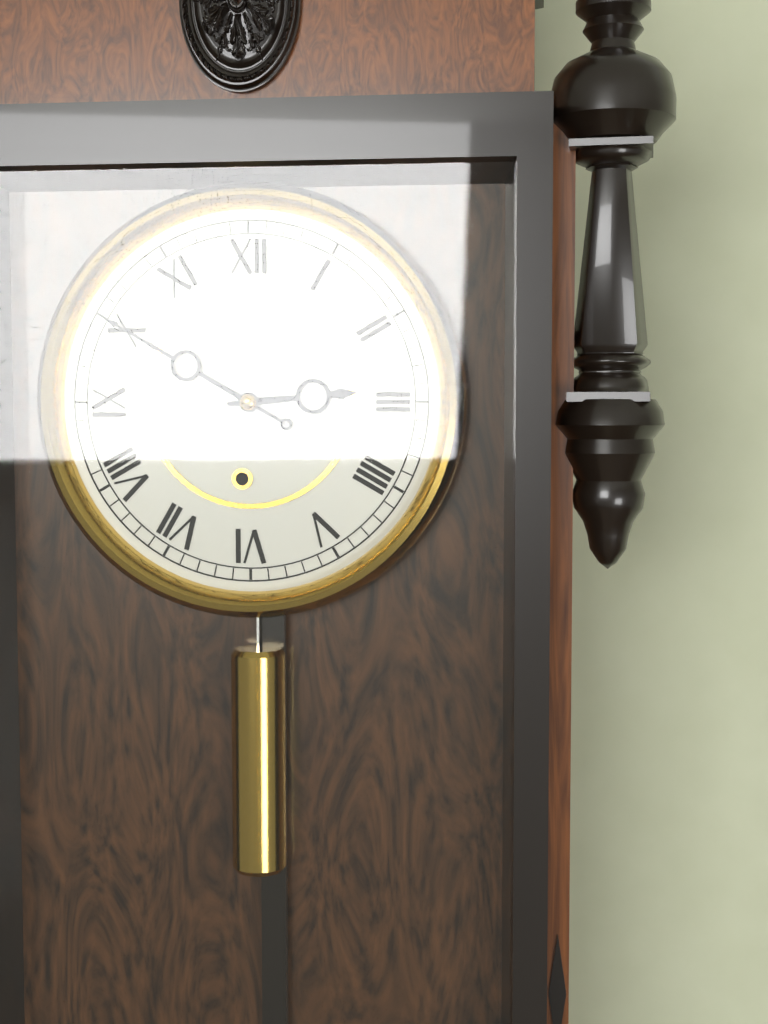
2:50
